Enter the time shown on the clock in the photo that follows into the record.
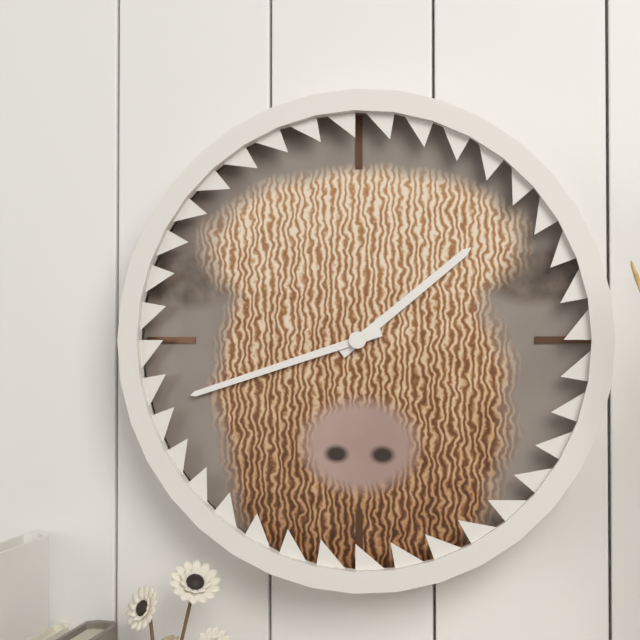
1:42
